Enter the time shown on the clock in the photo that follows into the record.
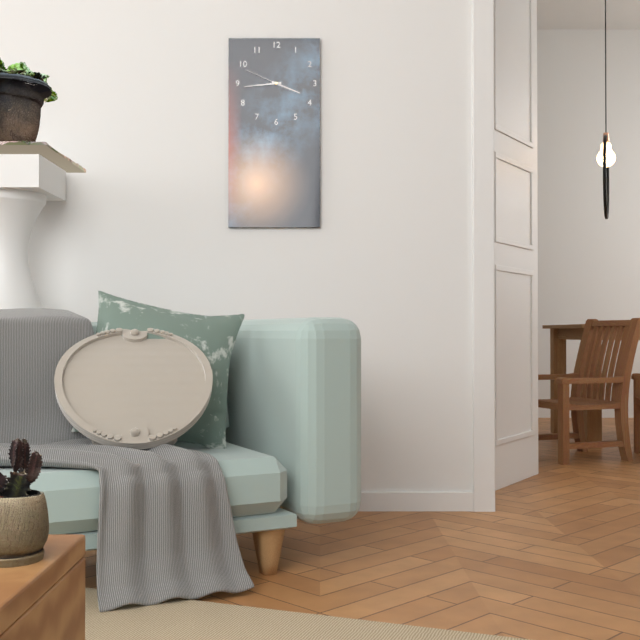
3:44
